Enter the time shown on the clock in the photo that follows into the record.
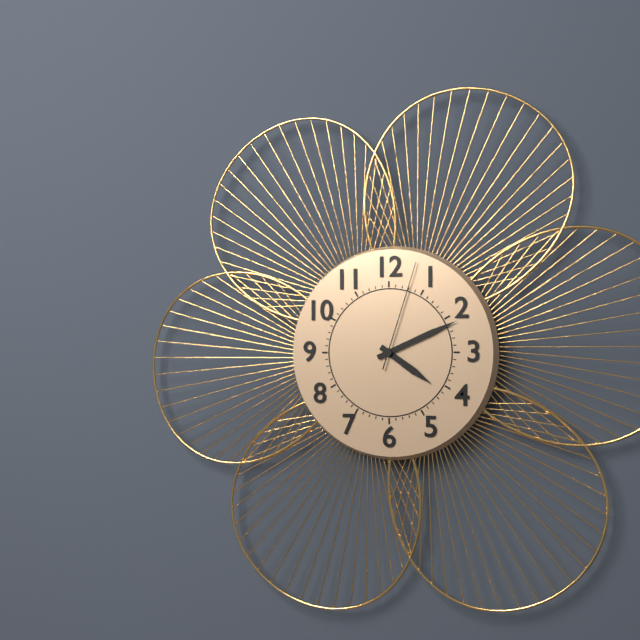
4:11:03
